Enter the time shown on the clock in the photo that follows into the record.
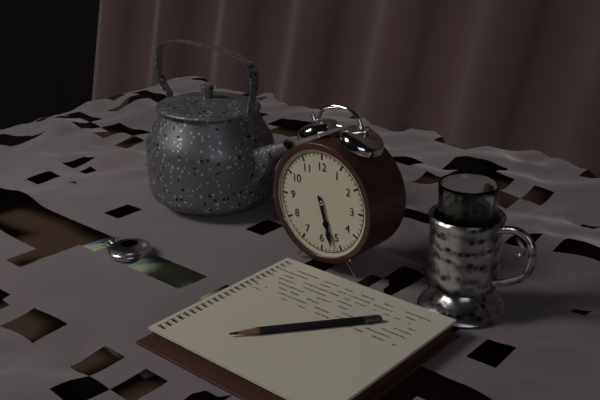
5:27
